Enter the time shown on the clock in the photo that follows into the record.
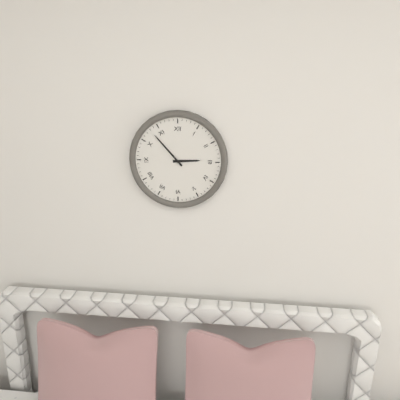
2:53
